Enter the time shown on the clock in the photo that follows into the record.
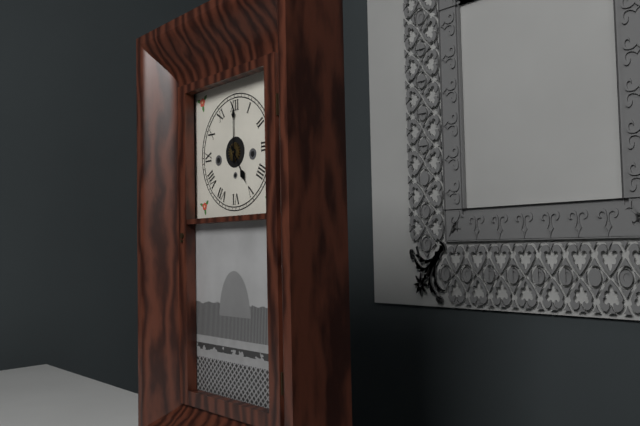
5:00
